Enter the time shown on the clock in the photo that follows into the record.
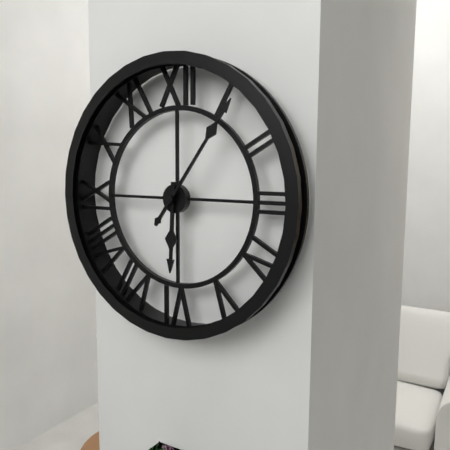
6:06
